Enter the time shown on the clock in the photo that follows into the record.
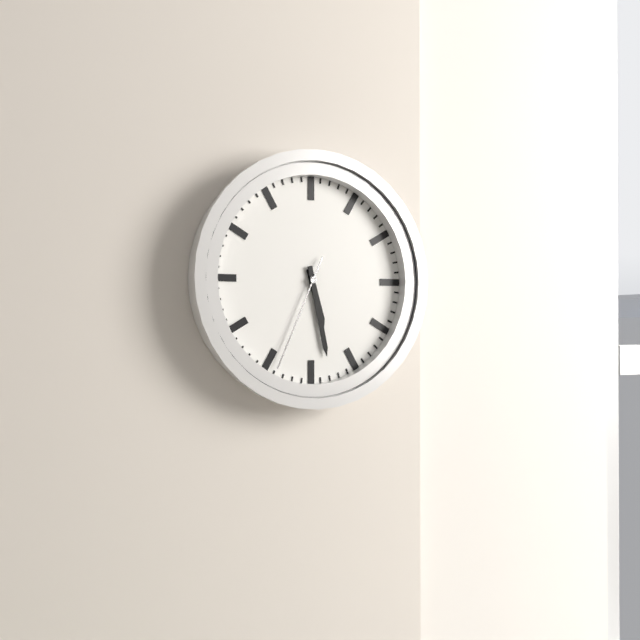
5:28:34
